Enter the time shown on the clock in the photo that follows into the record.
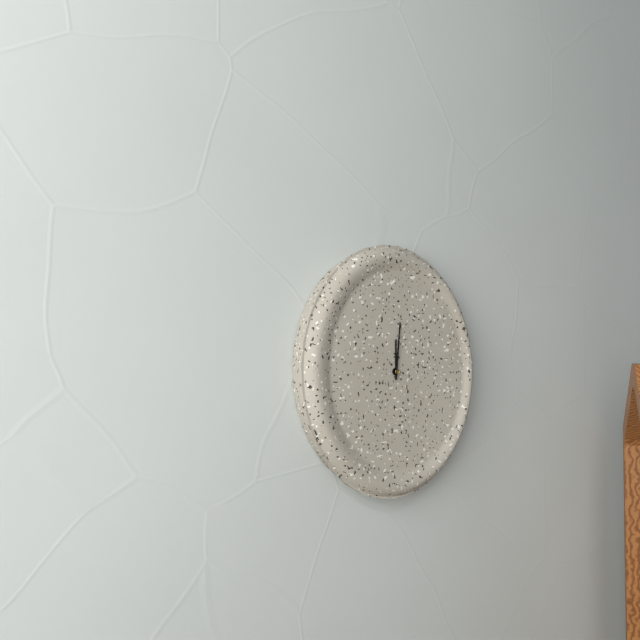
12:01
